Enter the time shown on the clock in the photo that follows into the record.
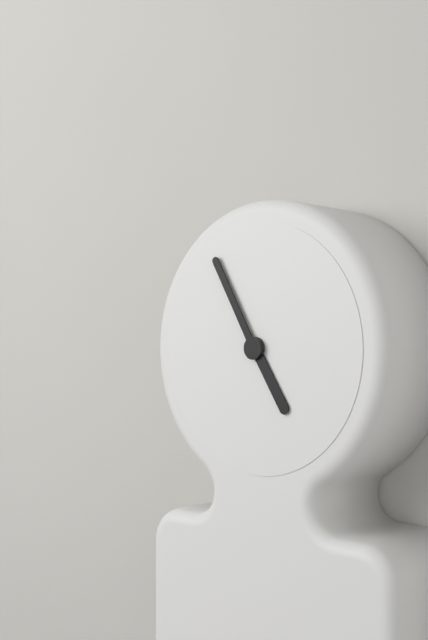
4:55
